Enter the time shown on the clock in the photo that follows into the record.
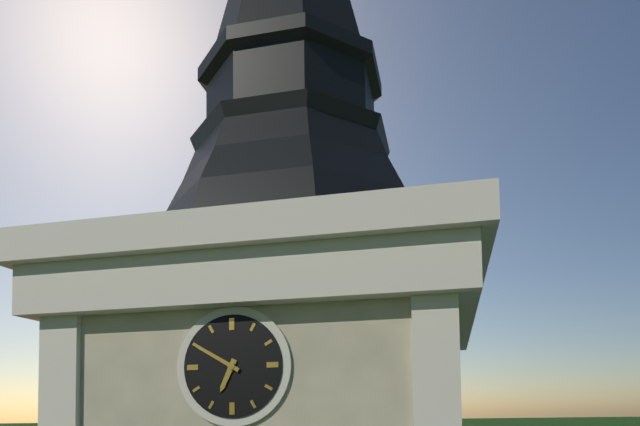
6:50
